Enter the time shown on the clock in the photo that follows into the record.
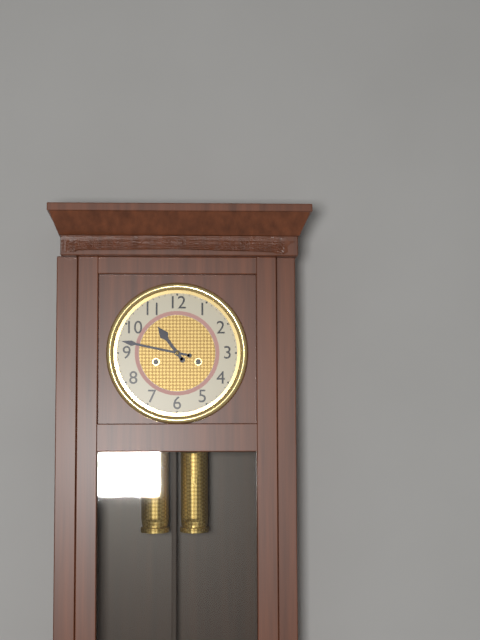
10:47
